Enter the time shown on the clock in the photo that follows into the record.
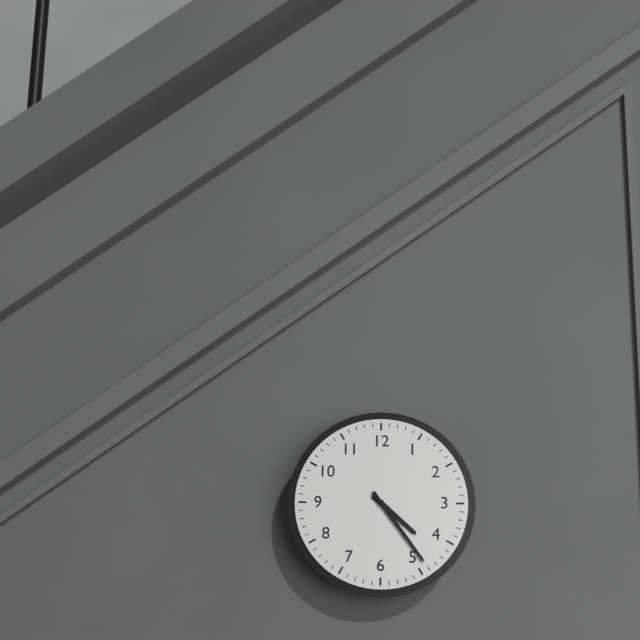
4:24
